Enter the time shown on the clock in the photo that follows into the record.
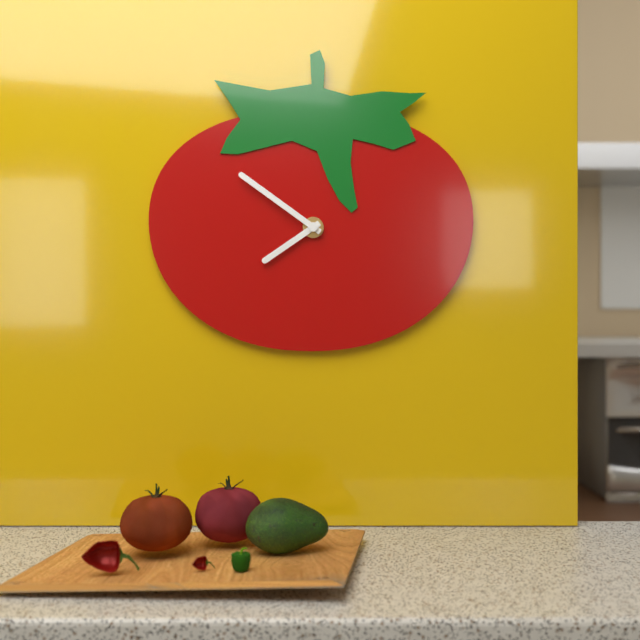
7:51
